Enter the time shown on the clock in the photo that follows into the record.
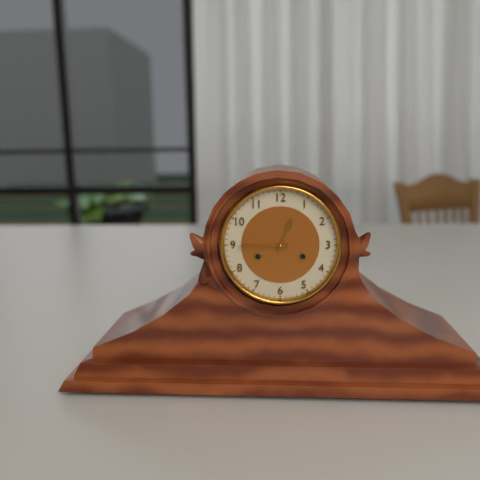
12:45
